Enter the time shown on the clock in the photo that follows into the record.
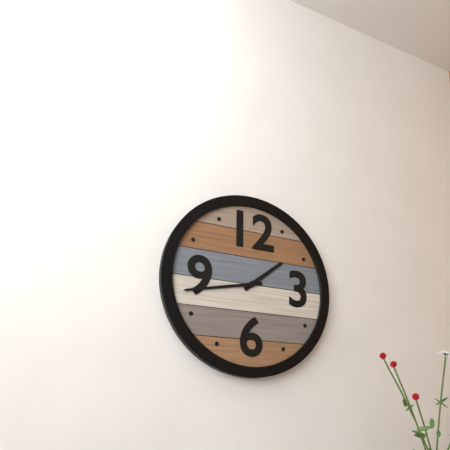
1:43
